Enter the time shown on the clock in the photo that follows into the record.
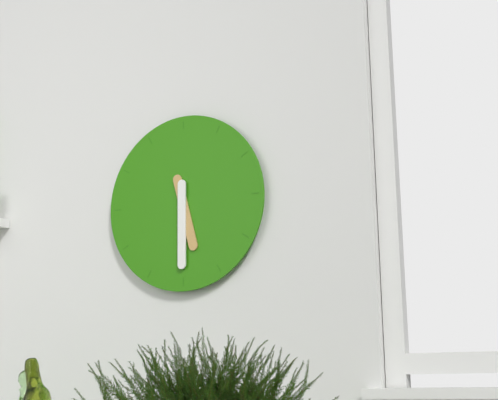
5:30
